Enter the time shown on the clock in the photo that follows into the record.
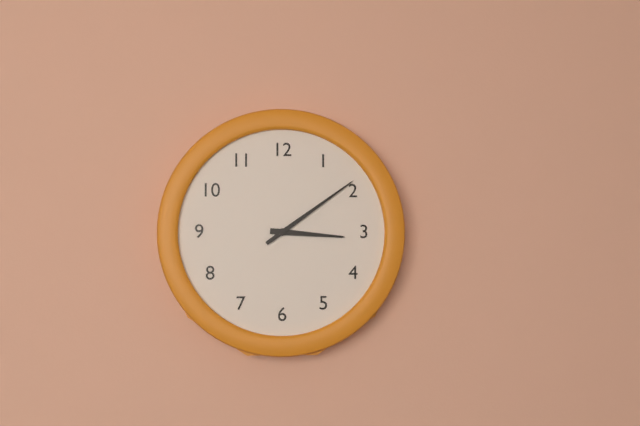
3:09
